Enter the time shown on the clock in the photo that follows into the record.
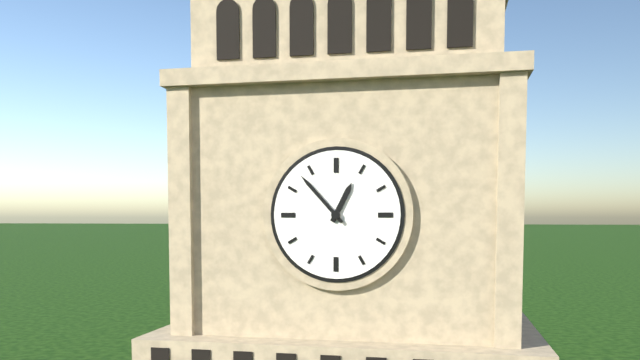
12:53
